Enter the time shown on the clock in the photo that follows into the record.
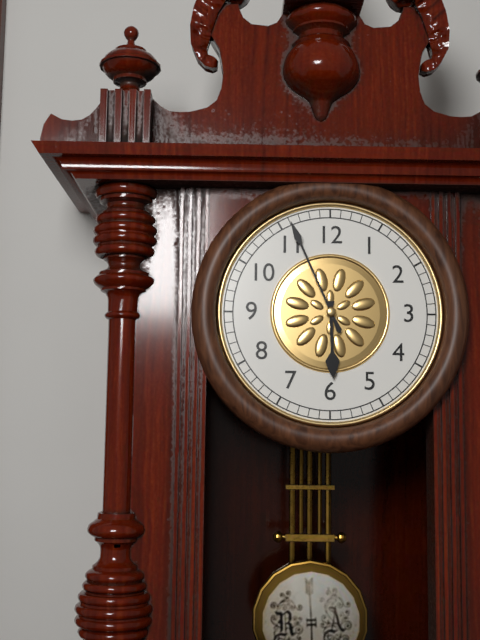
5:56
